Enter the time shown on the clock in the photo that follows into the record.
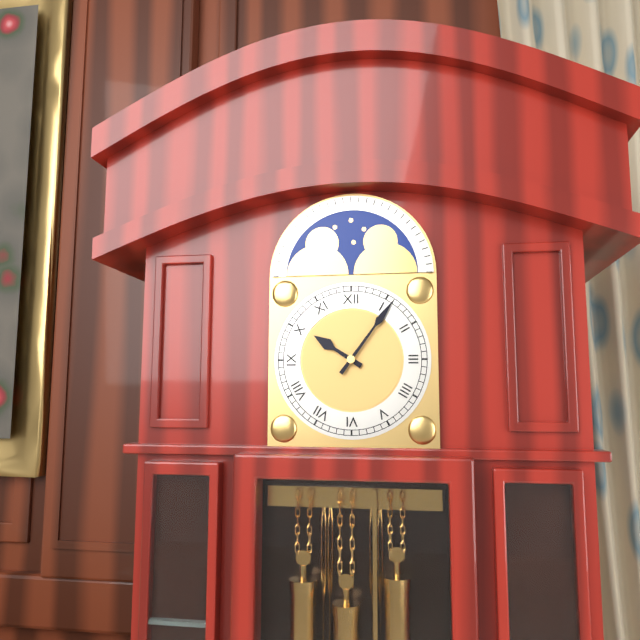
10:06
